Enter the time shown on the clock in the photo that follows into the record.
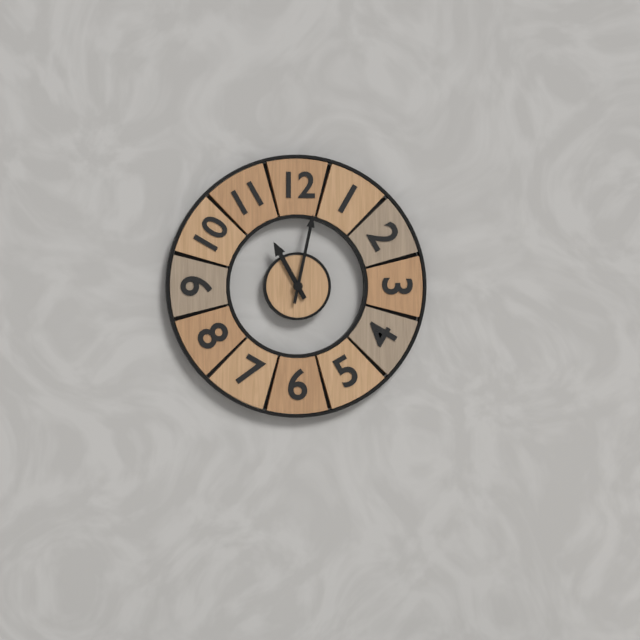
11:02
